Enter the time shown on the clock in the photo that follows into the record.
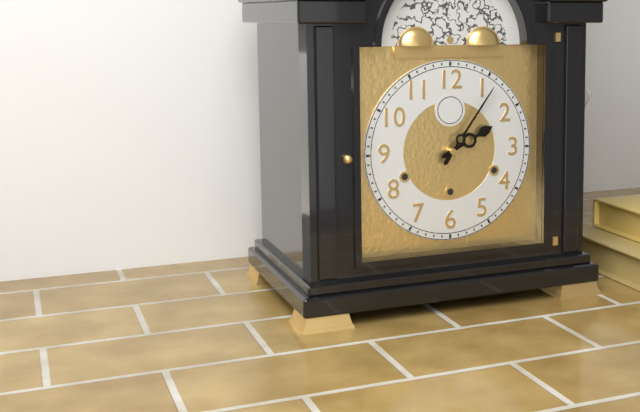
2:06
